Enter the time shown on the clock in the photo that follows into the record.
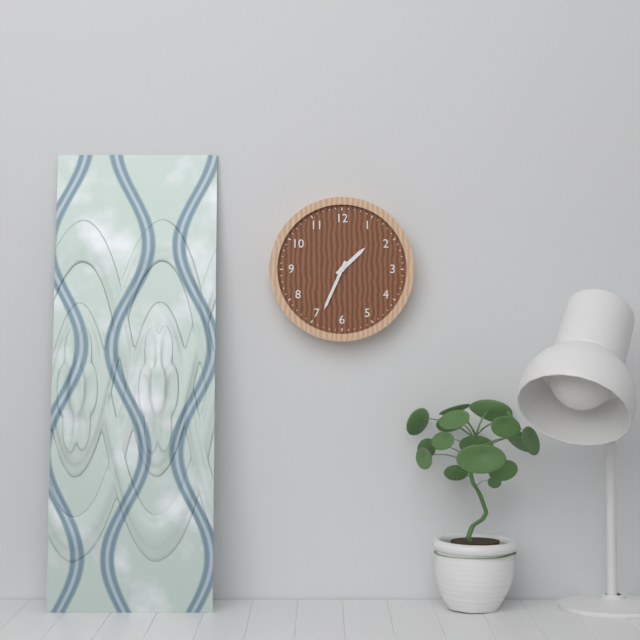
1:34
